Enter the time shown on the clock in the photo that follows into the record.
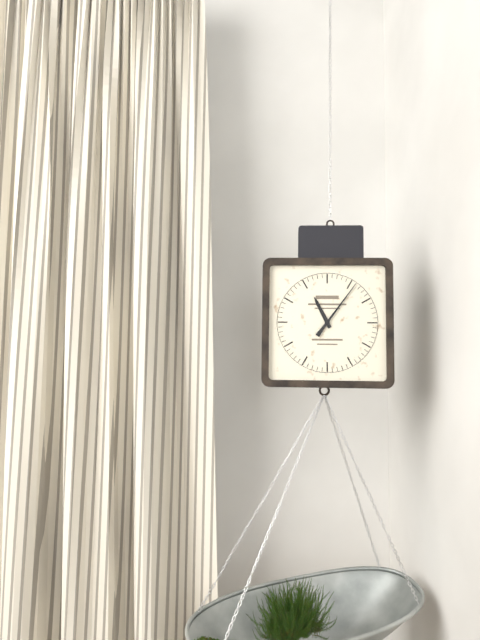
11:06
